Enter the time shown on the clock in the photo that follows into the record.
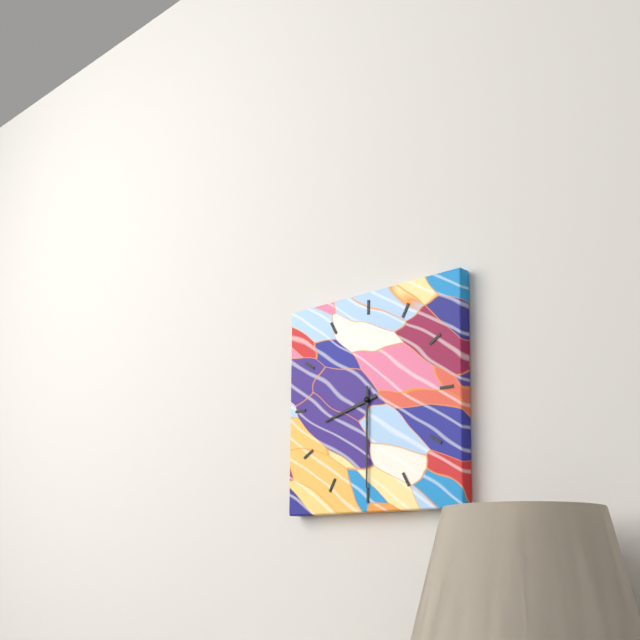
8:30
